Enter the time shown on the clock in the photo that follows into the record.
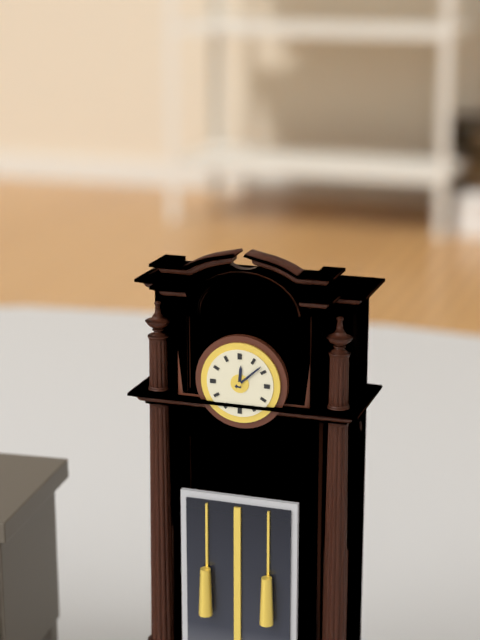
12:08
